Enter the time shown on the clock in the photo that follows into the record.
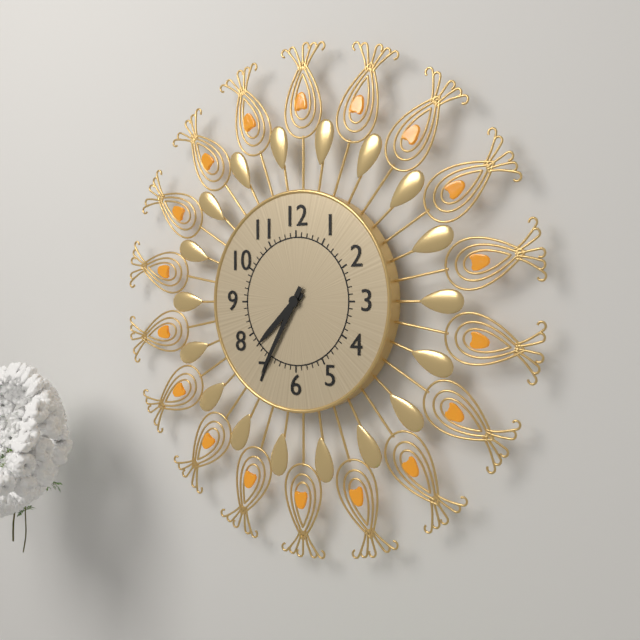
7:35
